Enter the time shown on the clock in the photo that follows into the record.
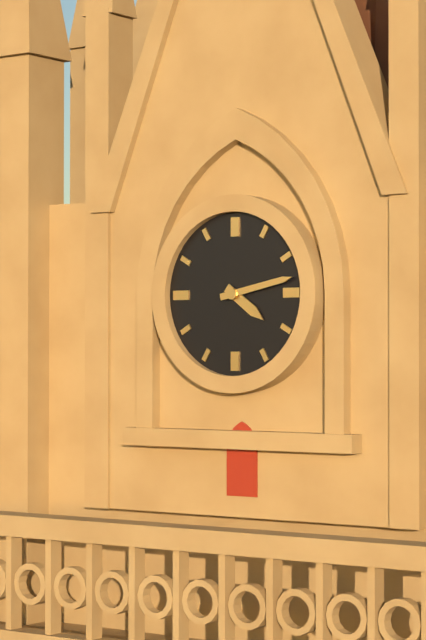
4:13
